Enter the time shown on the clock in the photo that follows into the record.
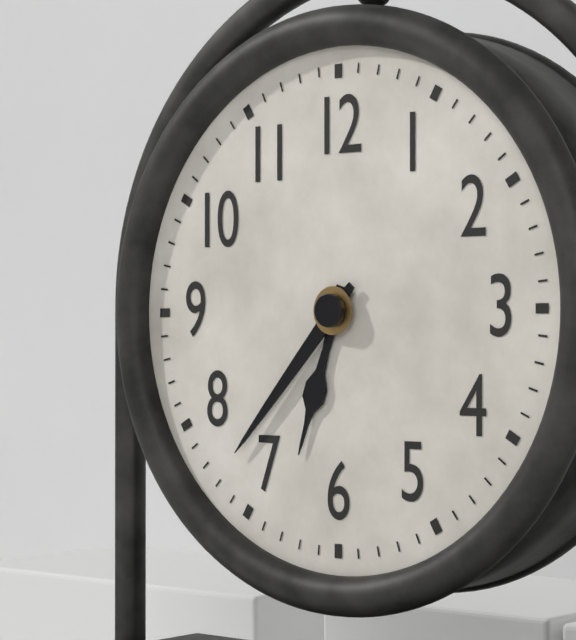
6:37
